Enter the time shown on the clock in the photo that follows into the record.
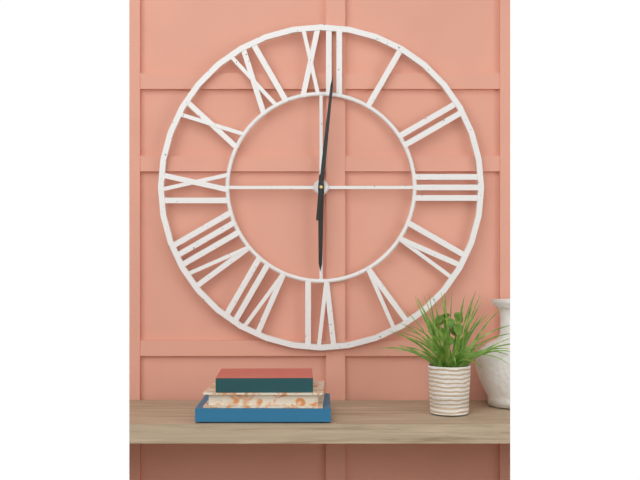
6:01
